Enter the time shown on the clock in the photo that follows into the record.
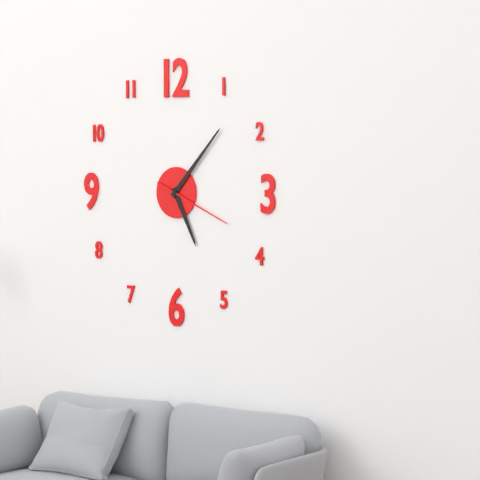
5:07:19
